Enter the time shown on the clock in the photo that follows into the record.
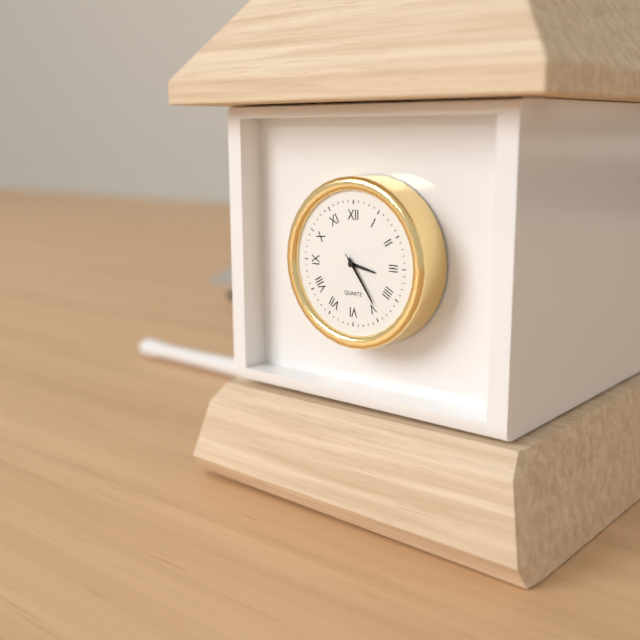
3:24:24
